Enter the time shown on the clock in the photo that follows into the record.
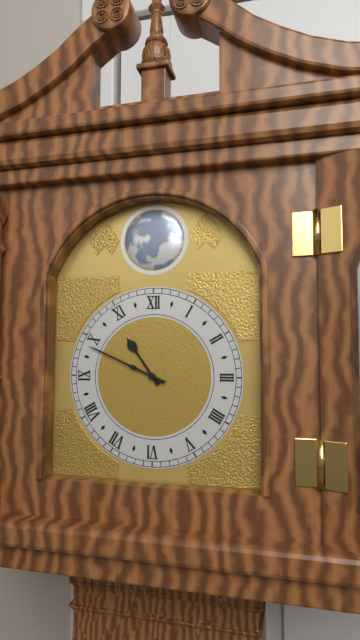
10:49
